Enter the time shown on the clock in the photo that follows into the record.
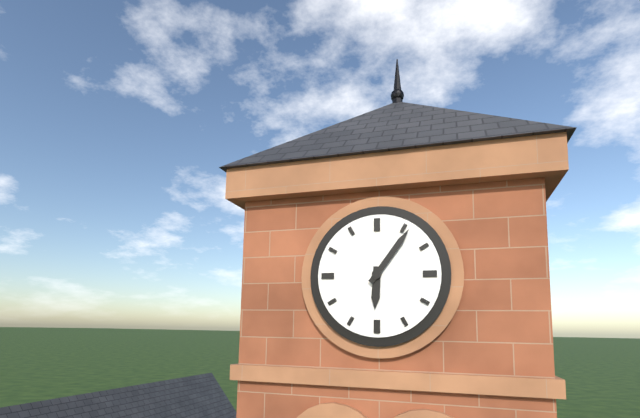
6:06
